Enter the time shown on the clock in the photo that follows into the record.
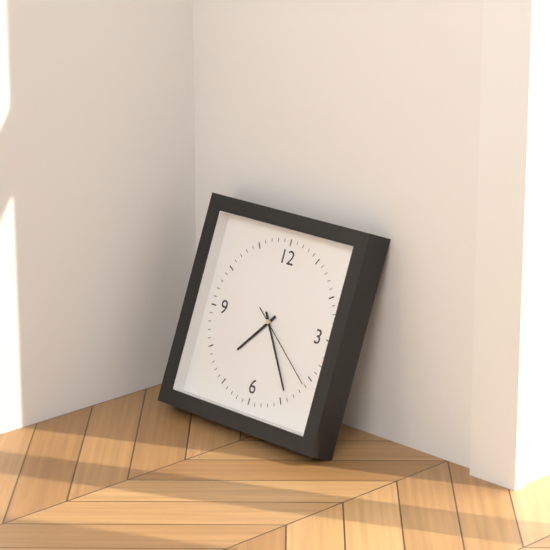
7:24:21
